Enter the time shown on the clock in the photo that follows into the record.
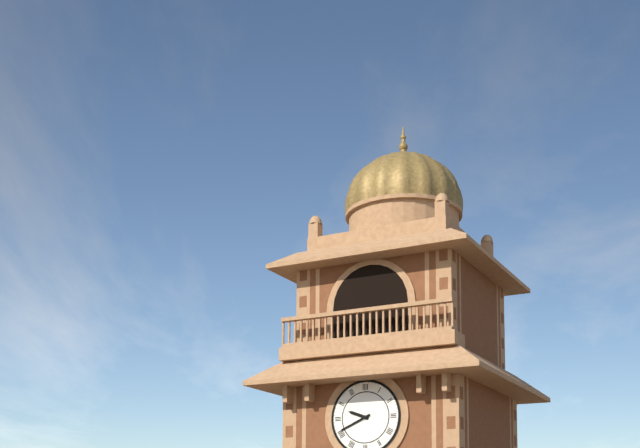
9:41
